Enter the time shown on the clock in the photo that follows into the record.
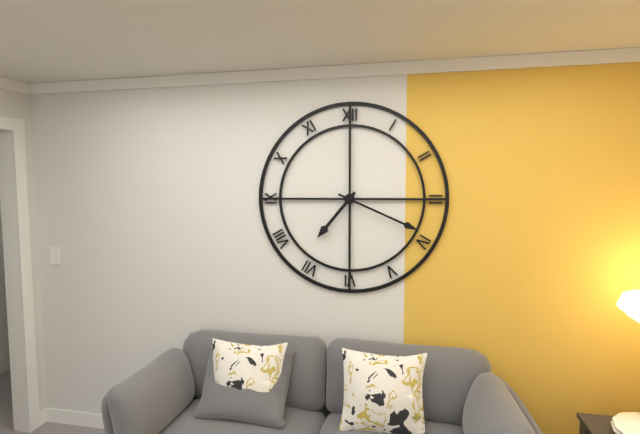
7:19
